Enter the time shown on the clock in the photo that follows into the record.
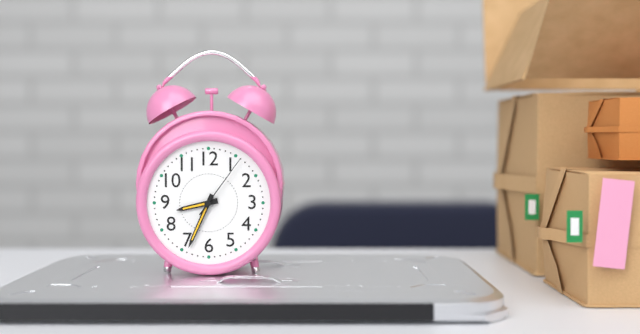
8:34:06
